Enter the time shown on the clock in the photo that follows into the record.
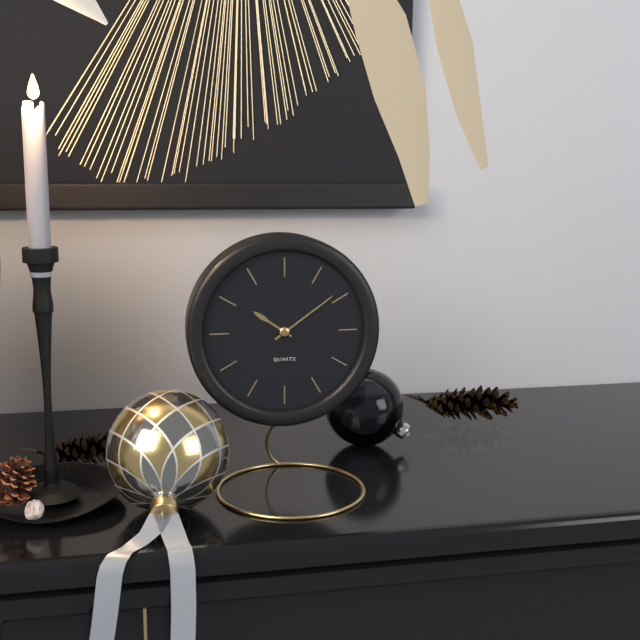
10:09
